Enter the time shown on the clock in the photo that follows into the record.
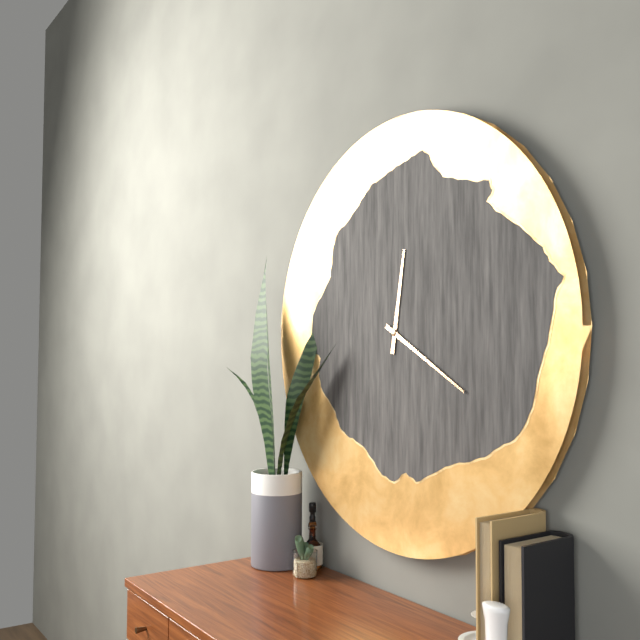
12:20
